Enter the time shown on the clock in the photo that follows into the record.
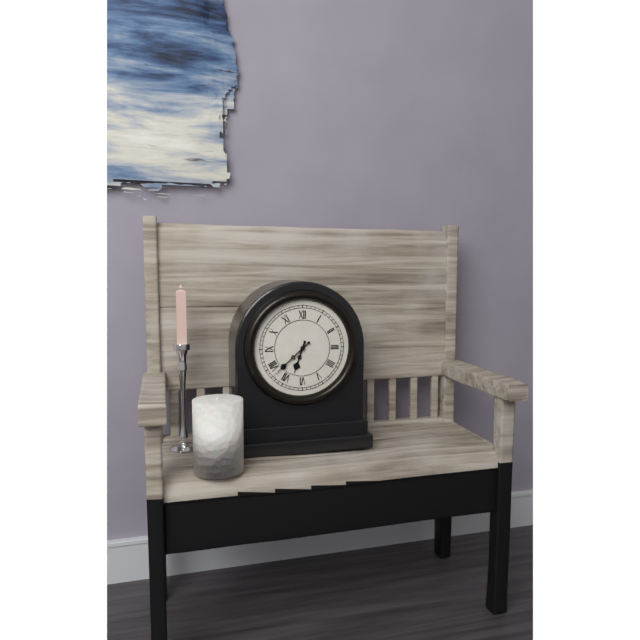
6:38
